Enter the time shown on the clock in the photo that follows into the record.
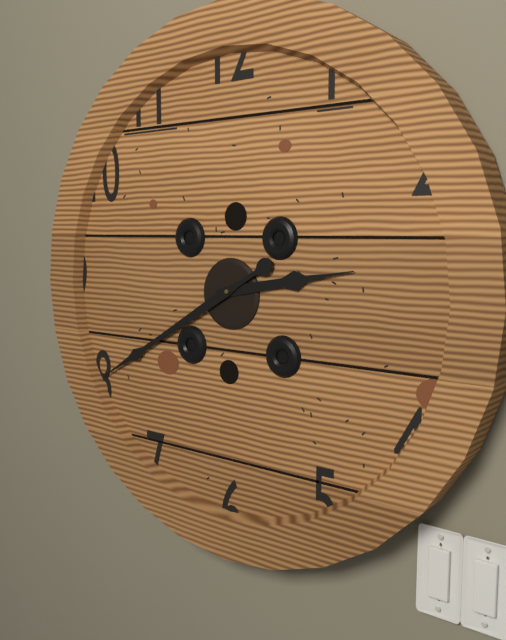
2:40
